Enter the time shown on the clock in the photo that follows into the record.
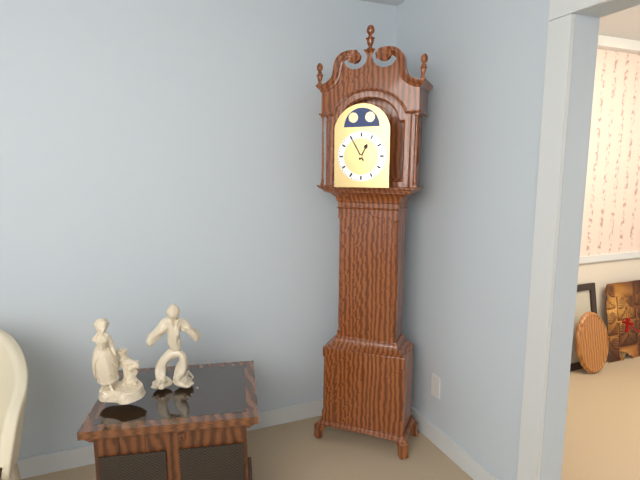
12:55
